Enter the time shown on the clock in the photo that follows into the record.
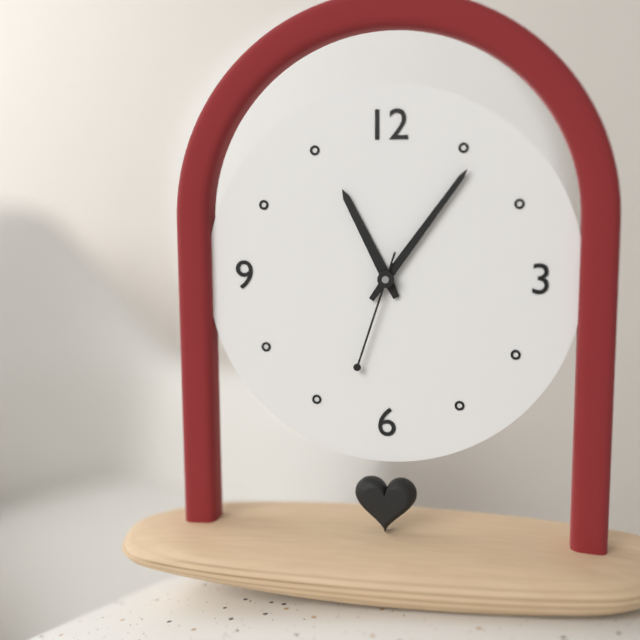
11:06:33
